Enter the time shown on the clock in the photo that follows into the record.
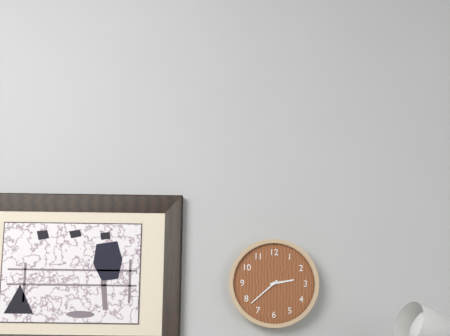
2:38
